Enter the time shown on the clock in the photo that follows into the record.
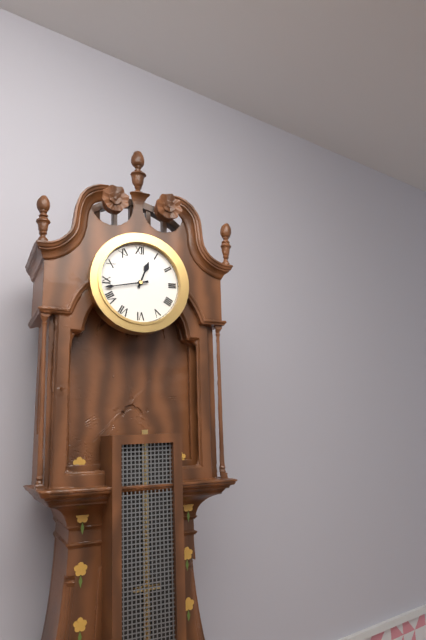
12:43
